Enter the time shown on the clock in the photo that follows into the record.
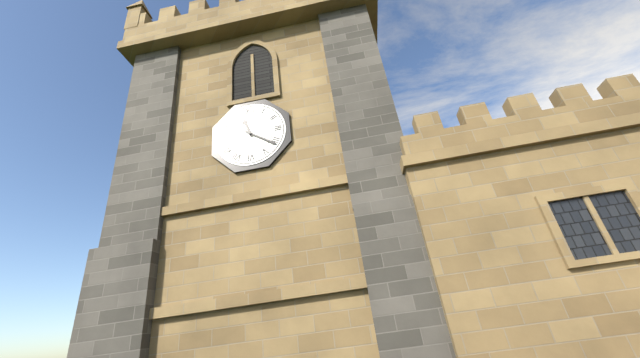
11:21
